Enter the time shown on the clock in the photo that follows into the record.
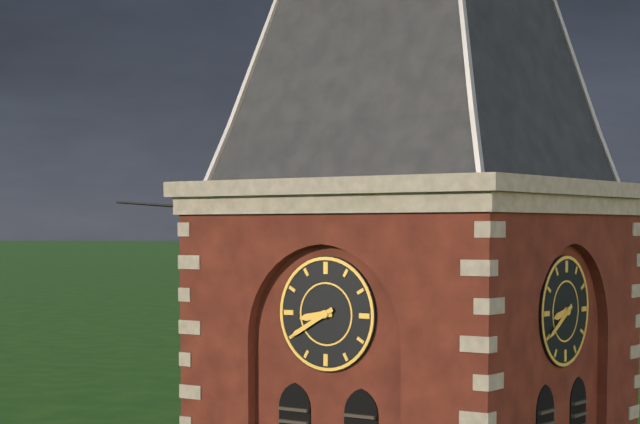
8:40
